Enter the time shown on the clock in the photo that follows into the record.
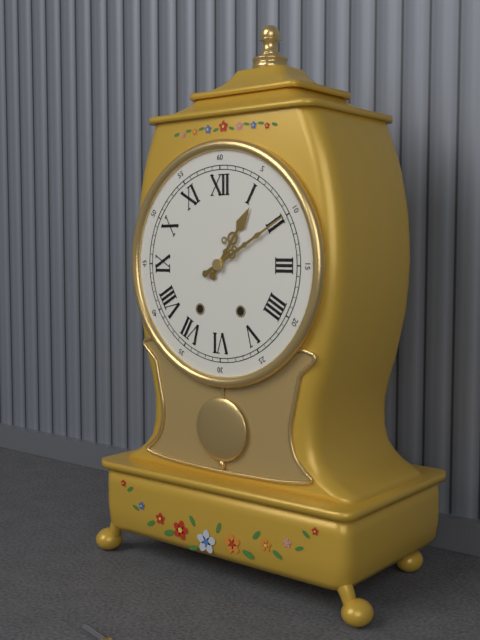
1:10
